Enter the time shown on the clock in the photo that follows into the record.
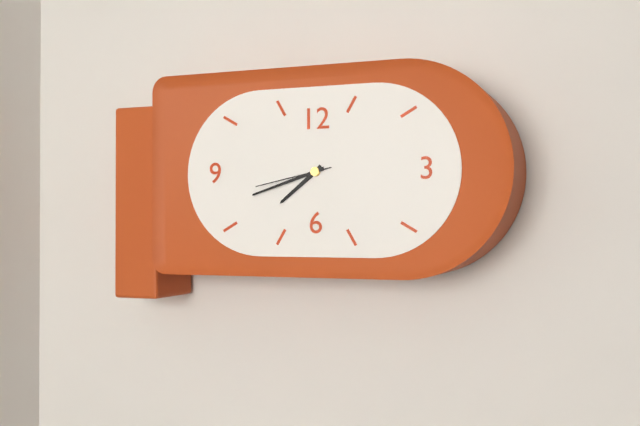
7:42:43
